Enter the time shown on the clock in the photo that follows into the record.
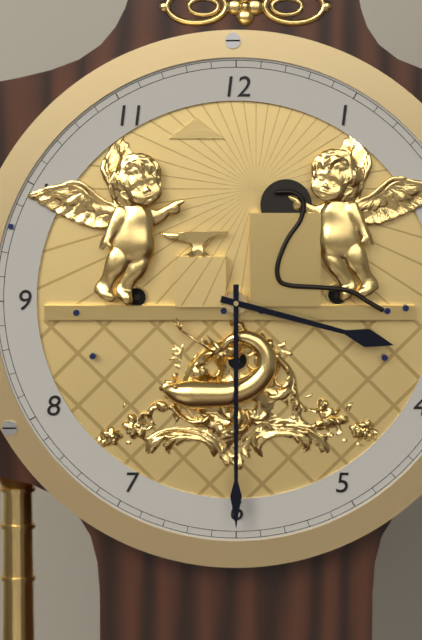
3:30
